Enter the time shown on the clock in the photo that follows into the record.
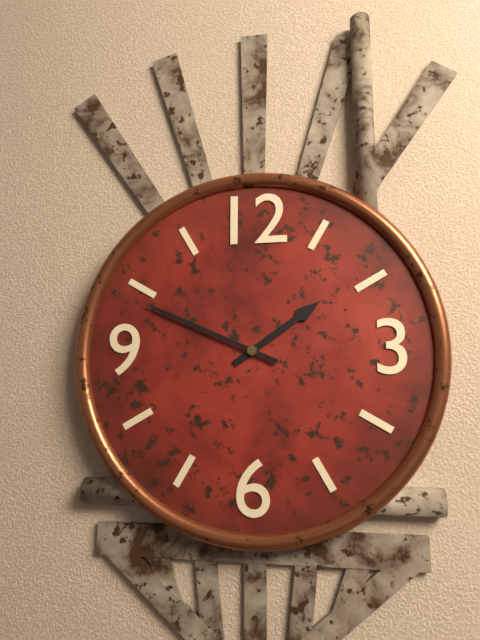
1:49
